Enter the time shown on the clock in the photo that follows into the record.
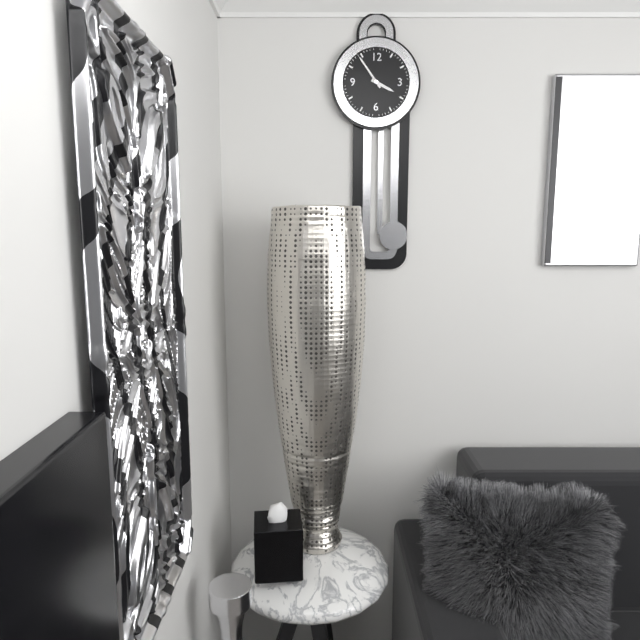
3:54
